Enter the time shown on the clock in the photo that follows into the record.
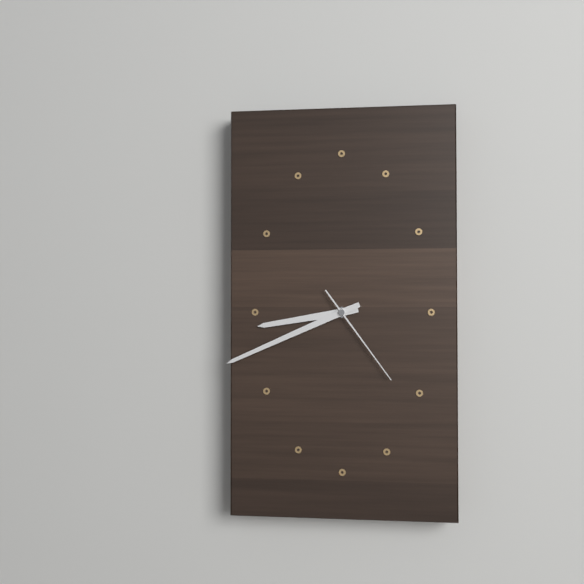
8:41:24
